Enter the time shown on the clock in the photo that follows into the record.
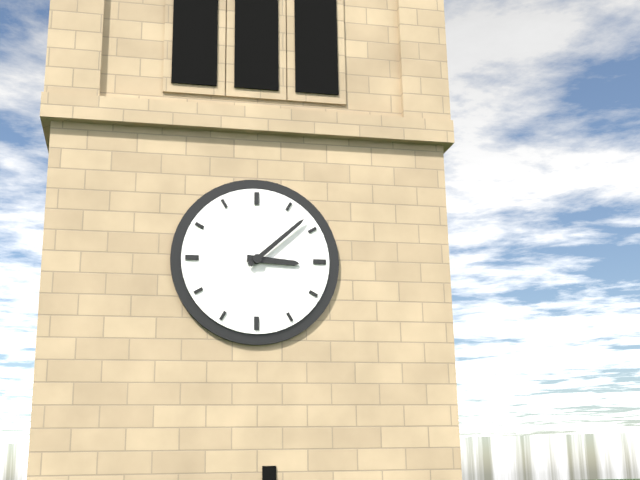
3:08
